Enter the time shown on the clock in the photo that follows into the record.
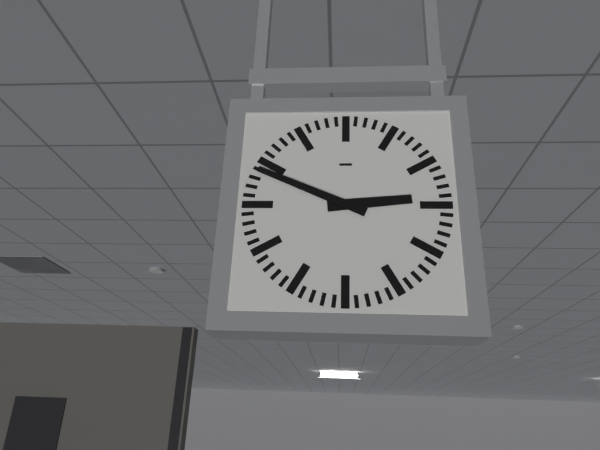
2:49
